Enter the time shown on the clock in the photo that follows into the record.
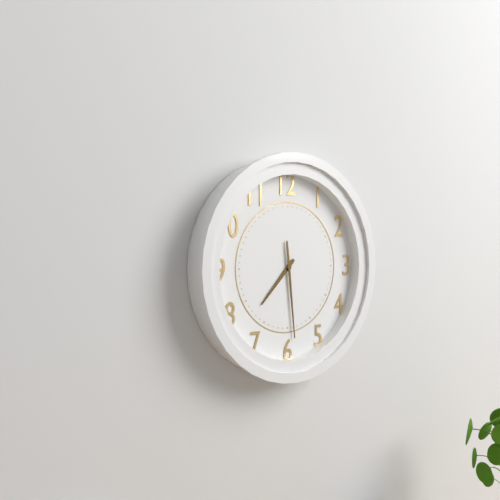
7:29
